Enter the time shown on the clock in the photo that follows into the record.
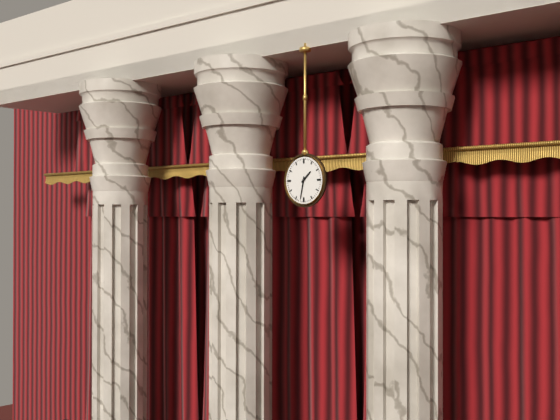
1:32
